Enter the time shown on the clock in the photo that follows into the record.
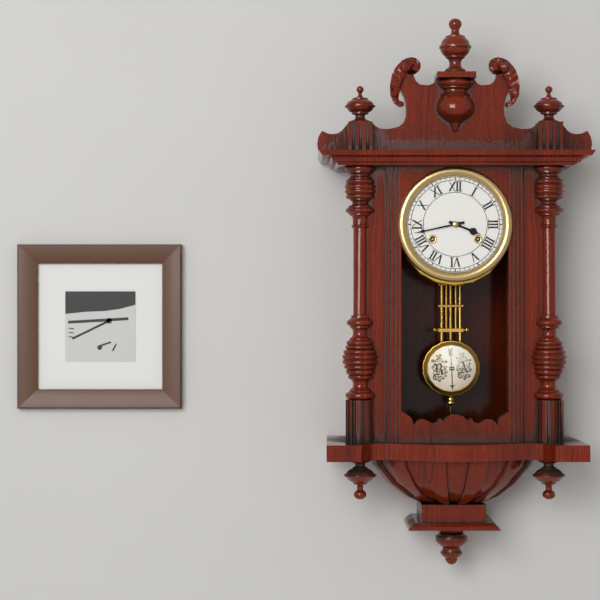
3:43
